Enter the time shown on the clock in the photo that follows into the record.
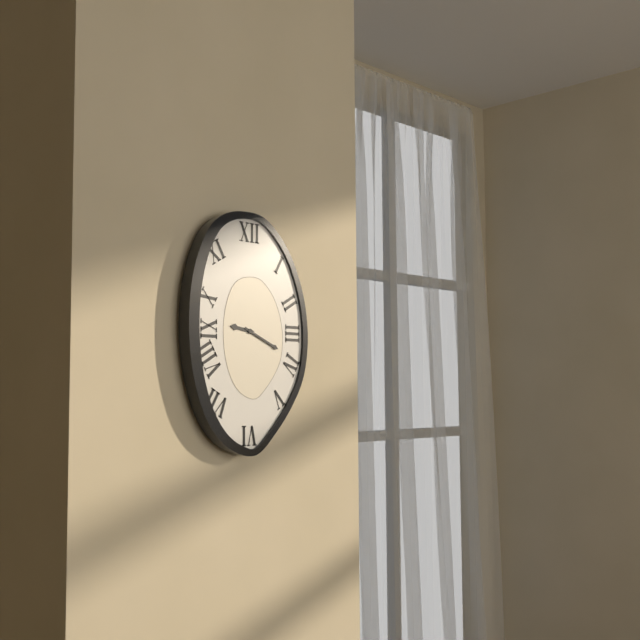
9:19
